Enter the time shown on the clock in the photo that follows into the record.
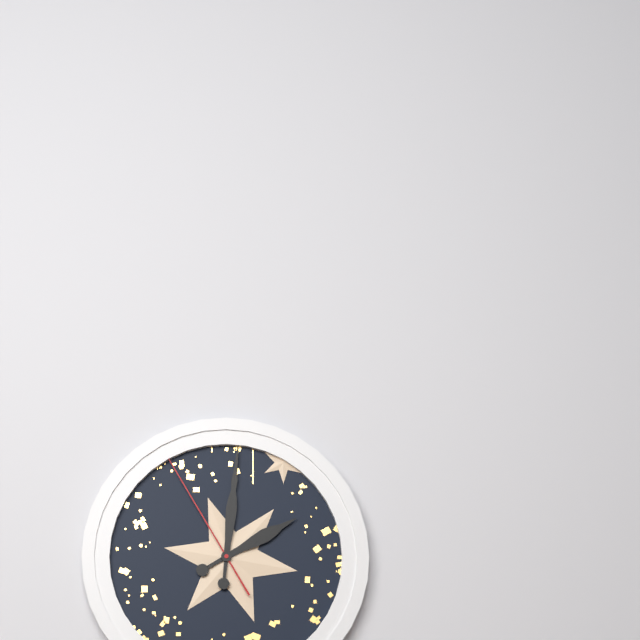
2:01:55
